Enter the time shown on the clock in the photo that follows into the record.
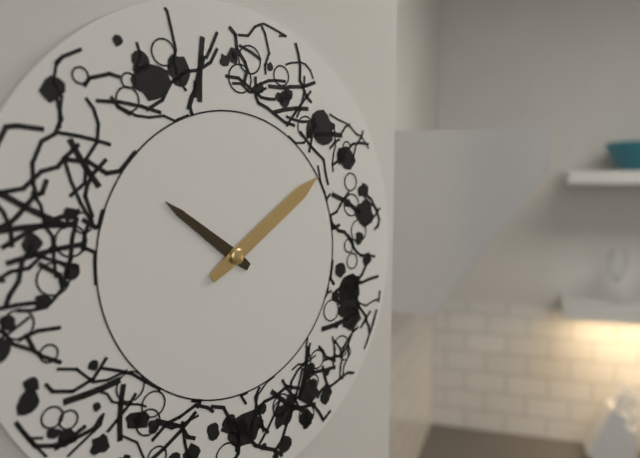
10:09
